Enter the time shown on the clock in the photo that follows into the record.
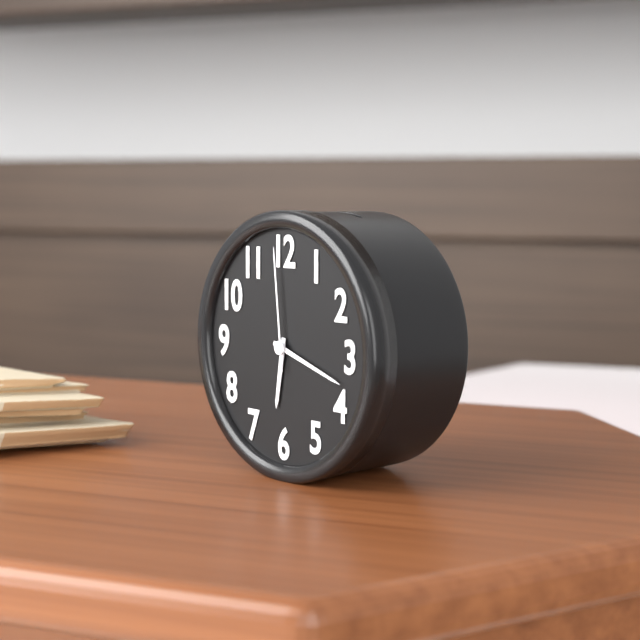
6:18:59
